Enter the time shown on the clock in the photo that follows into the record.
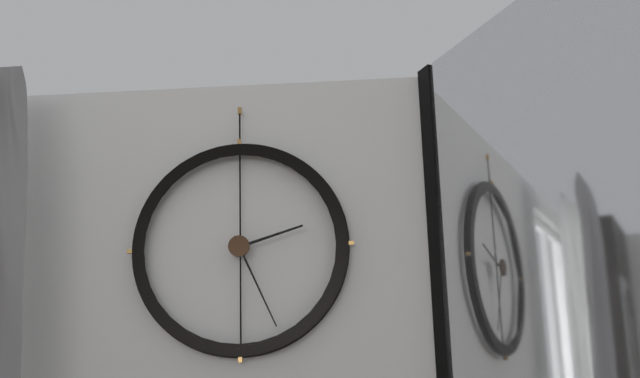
2:26
